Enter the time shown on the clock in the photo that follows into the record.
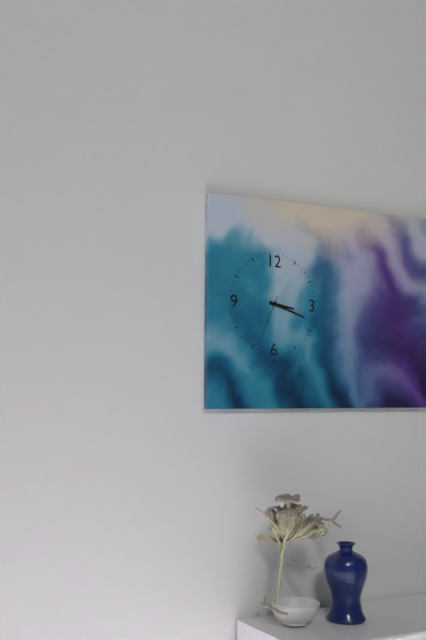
3:18
